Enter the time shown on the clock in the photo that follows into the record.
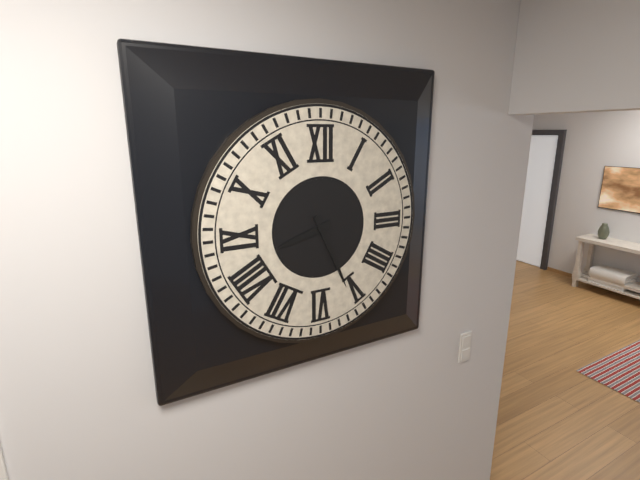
8:26
